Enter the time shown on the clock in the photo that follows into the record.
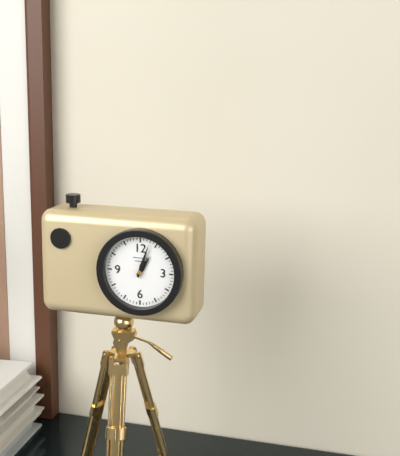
1:03
